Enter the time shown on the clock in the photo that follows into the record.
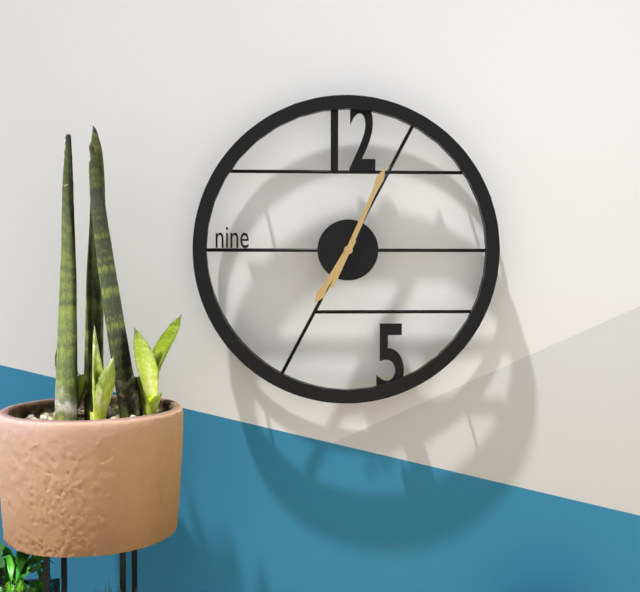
7:04
